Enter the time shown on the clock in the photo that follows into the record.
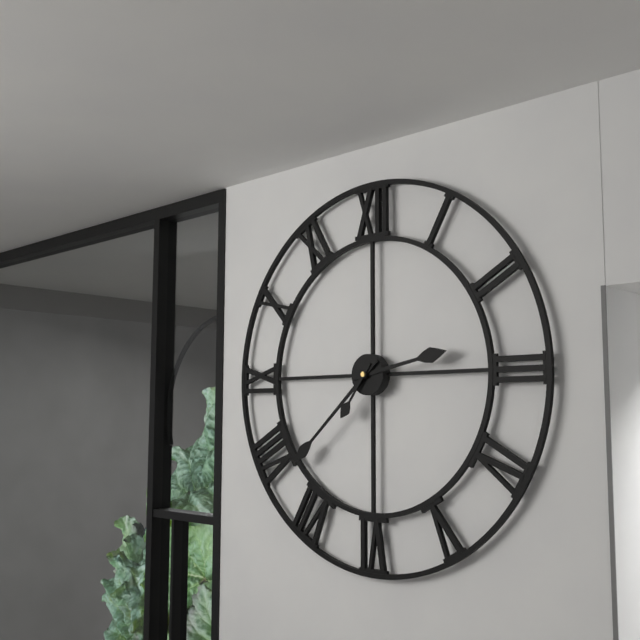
2:38:36
